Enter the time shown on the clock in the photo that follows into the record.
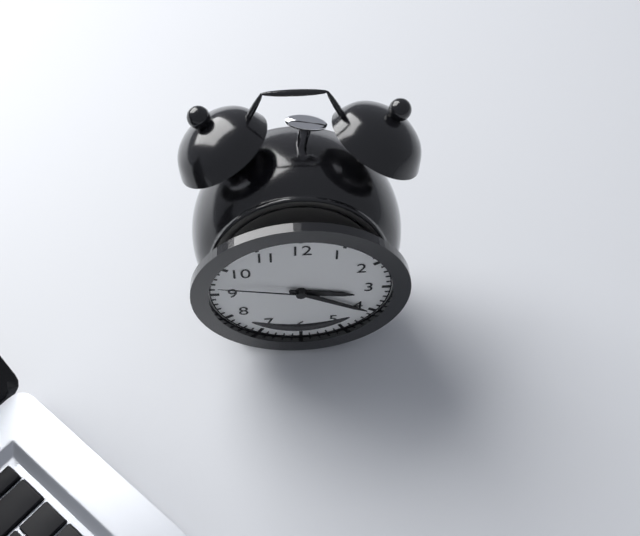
3:20:47
